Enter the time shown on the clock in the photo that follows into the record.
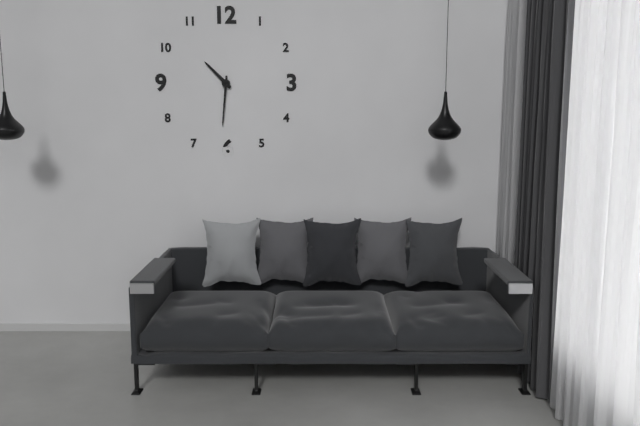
10:31
